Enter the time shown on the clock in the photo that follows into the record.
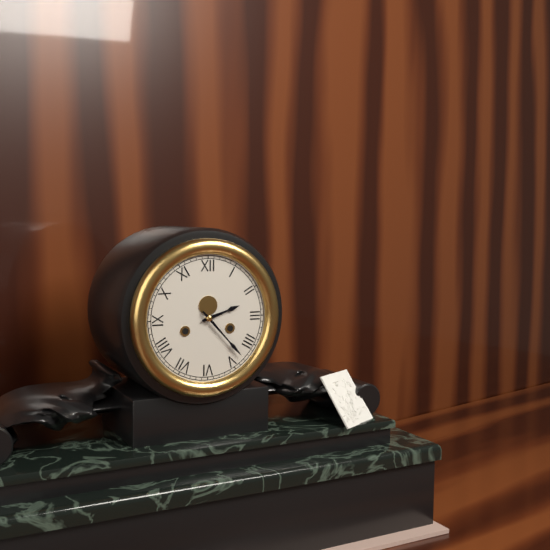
2:23
